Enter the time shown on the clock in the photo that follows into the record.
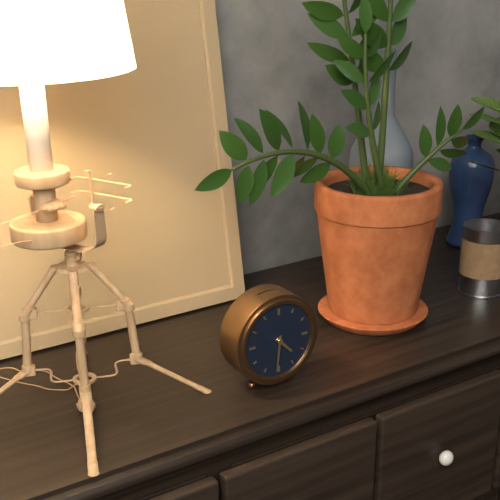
4:31
